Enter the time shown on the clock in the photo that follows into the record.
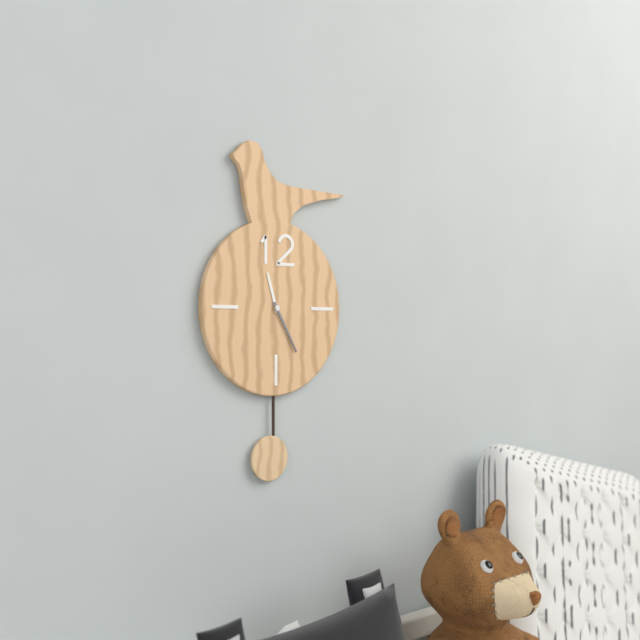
11:25
